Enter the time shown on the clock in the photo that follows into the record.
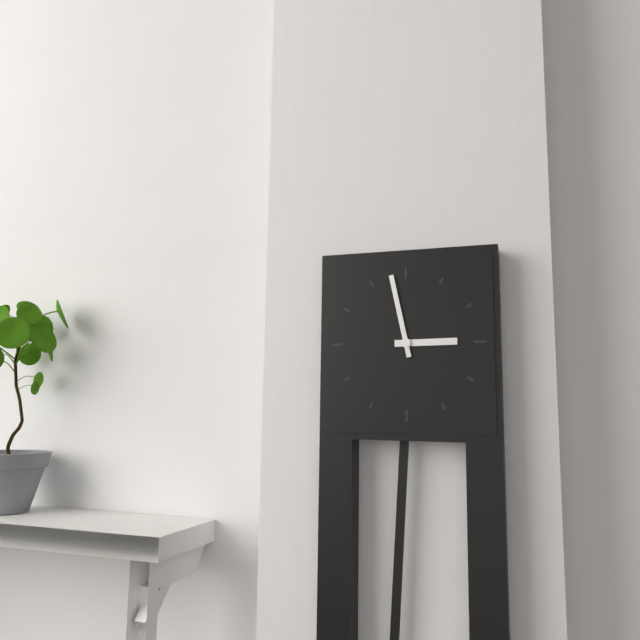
2:58
